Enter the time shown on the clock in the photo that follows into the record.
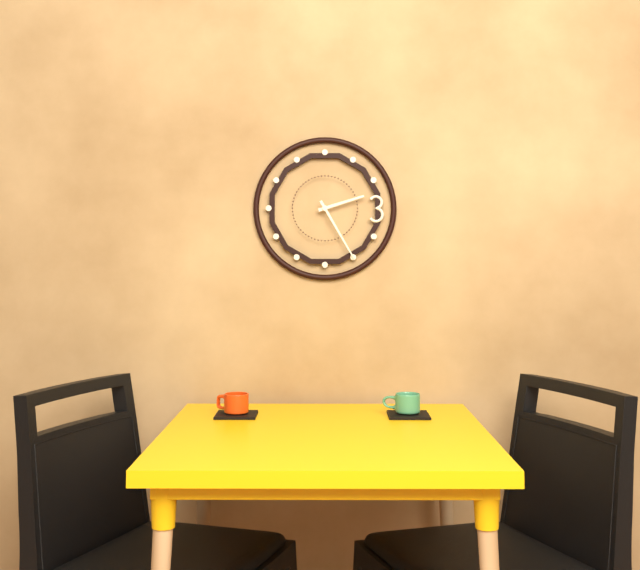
2:25
